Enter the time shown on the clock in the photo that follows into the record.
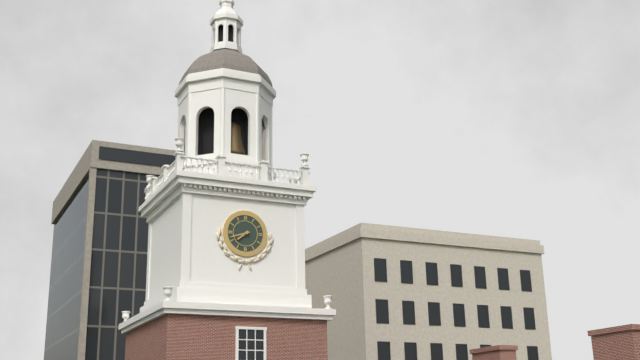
7:42
